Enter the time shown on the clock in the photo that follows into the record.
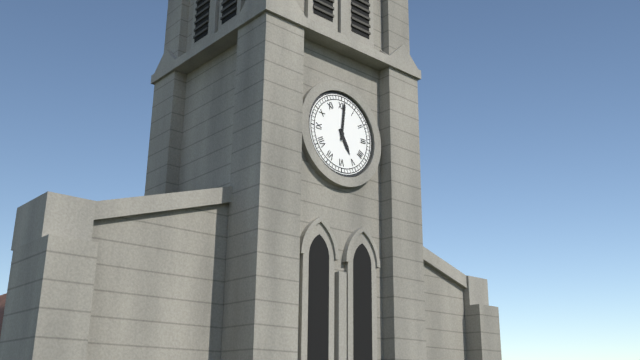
5:01
